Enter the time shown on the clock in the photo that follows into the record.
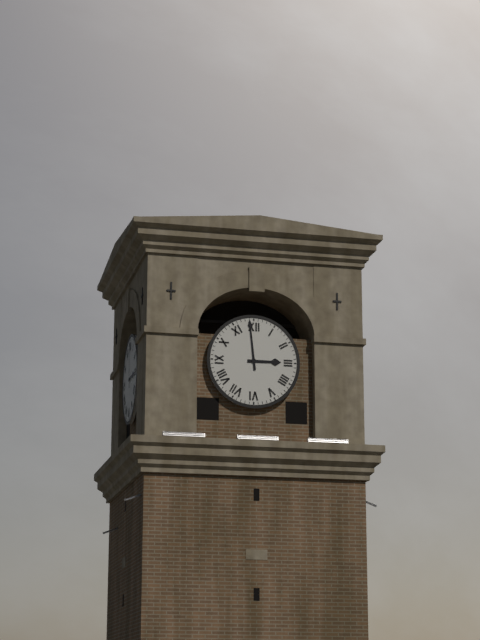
2:59
